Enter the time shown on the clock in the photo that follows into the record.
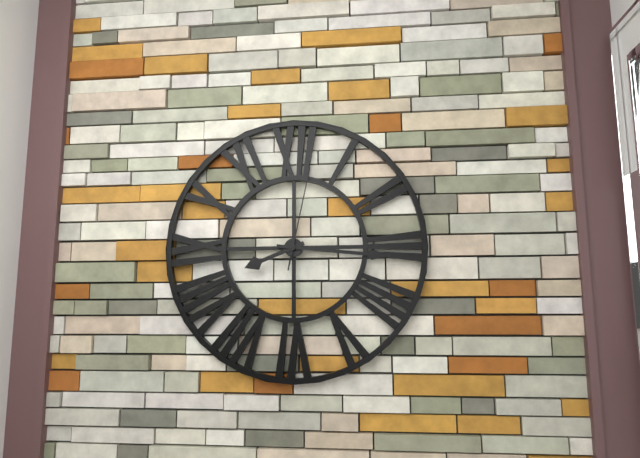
8:16:02
